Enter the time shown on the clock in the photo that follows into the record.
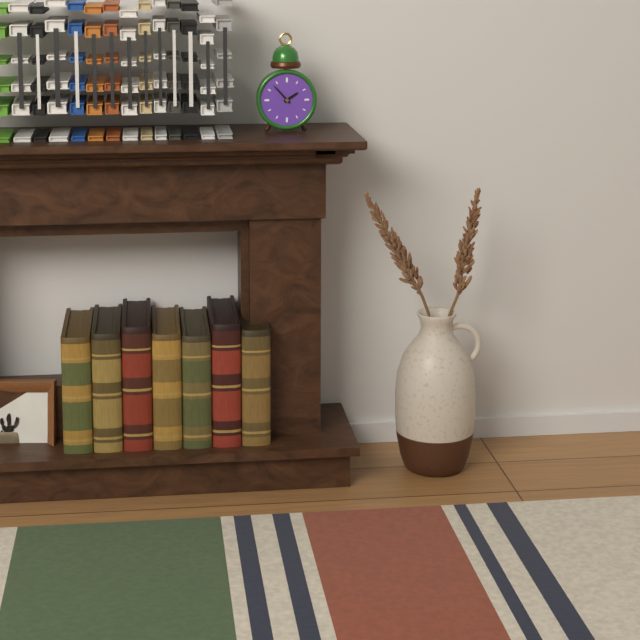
1:53
